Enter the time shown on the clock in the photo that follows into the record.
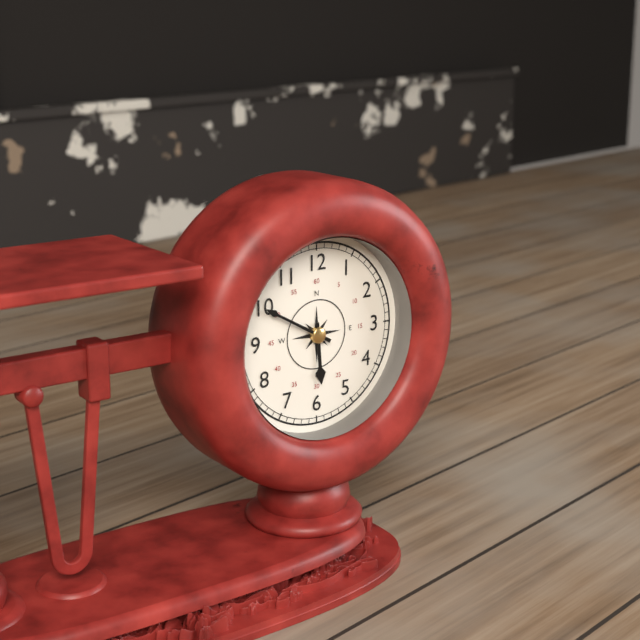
5:50
